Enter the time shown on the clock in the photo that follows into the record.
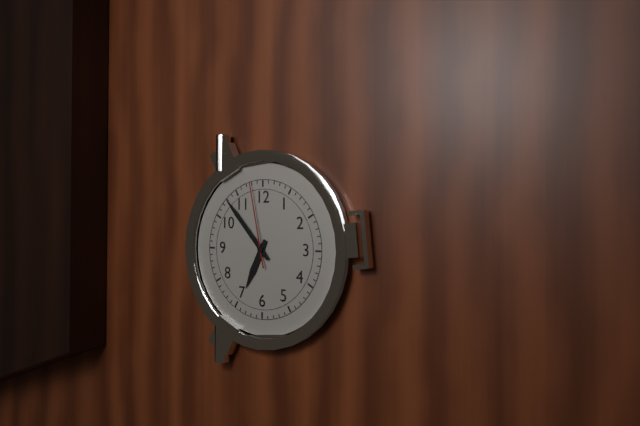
6:53:58
